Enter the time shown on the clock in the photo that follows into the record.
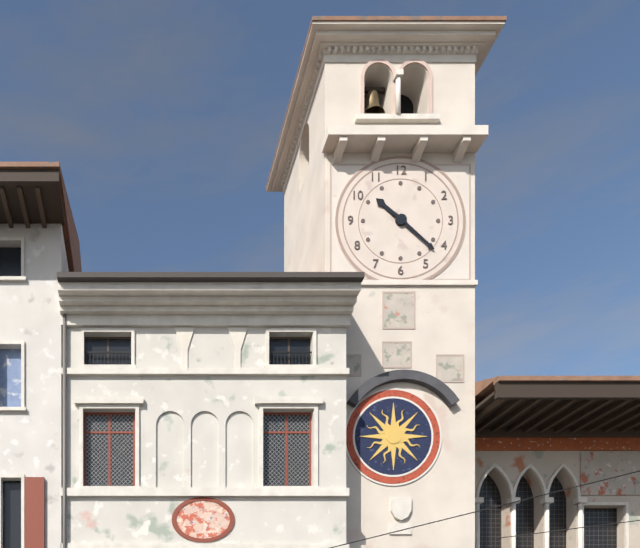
10:22
